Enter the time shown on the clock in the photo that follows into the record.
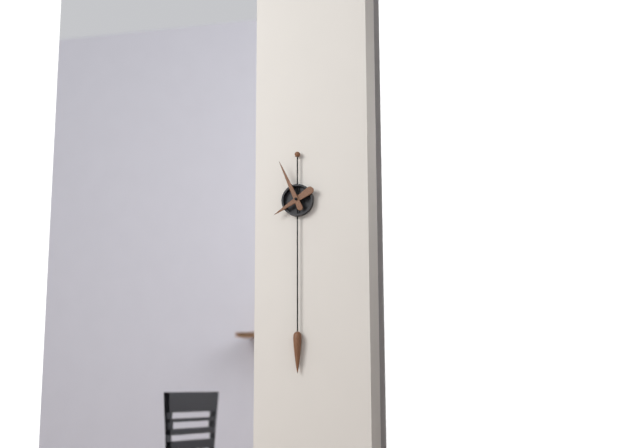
7:56
